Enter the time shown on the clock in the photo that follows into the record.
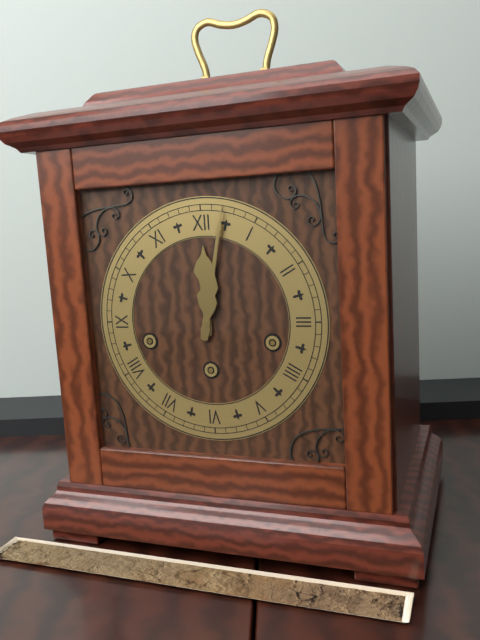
12:02
